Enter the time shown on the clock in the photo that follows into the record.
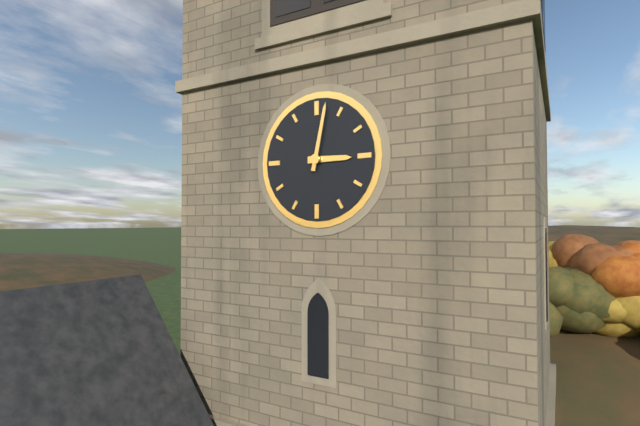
3:02
